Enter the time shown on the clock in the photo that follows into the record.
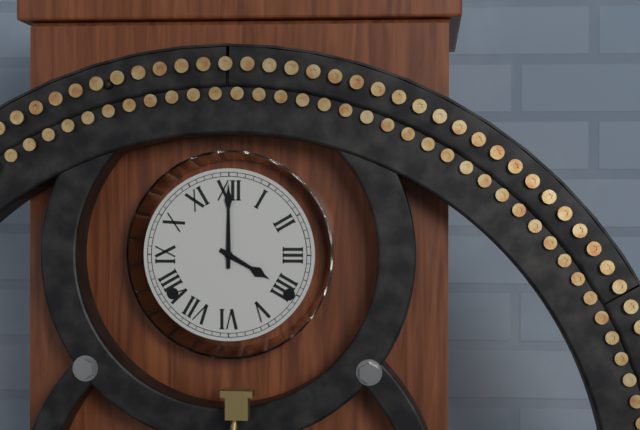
4:00
